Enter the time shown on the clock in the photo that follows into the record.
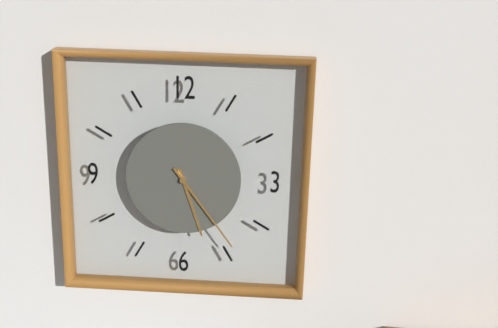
5:24
